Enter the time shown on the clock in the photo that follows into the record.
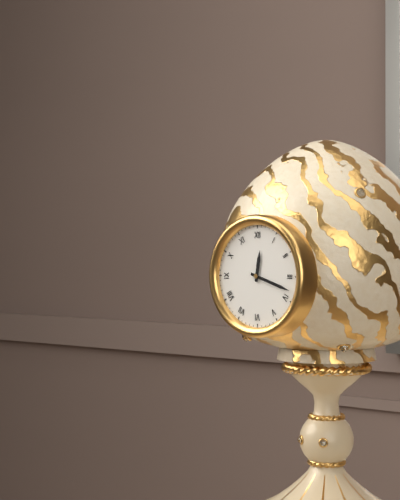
12:18
